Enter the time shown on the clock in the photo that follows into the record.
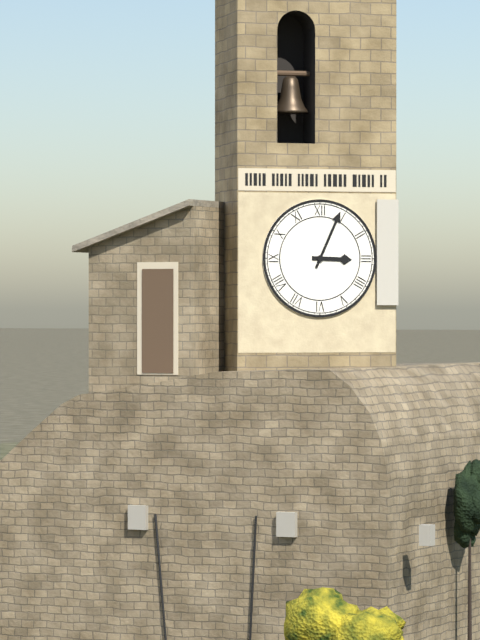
3:04
